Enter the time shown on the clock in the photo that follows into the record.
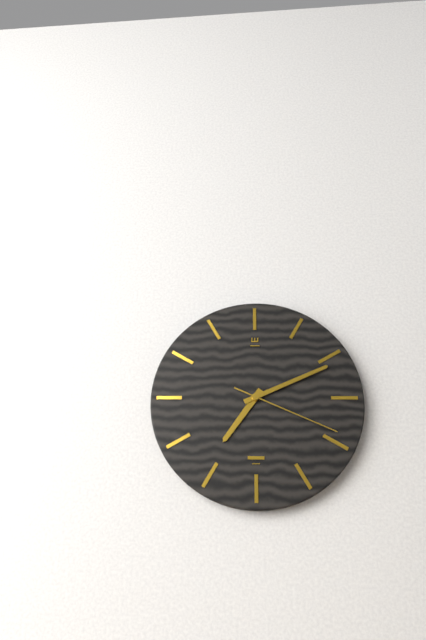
7:11:19
